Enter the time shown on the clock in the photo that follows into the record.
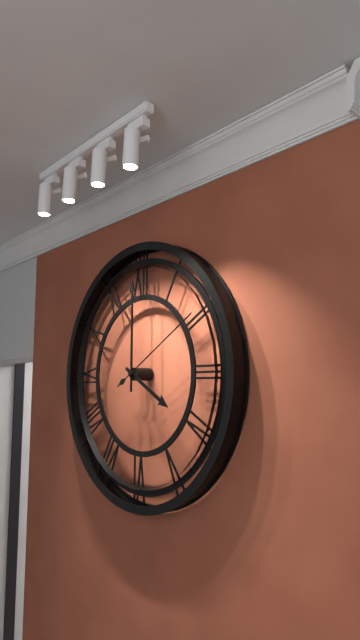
4:00:10
